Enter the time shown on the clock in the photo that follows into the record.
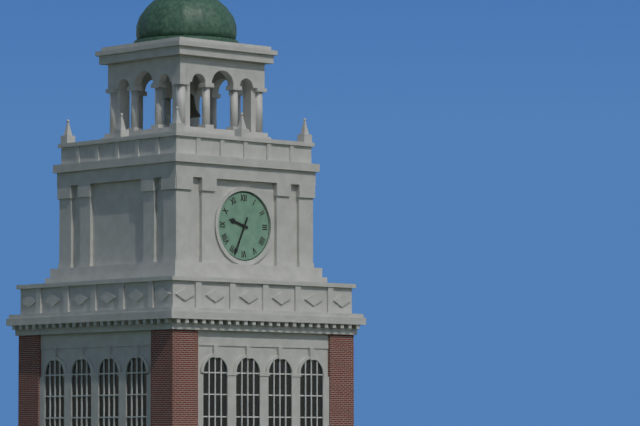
9:34
